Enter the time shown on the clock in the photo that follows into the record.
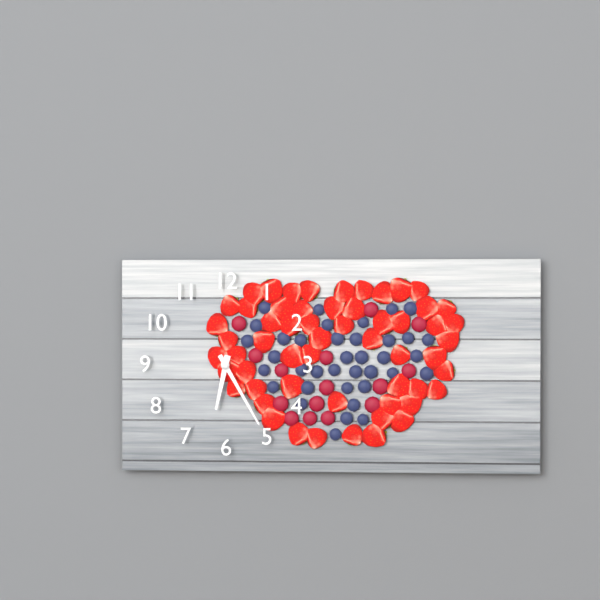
6:25
